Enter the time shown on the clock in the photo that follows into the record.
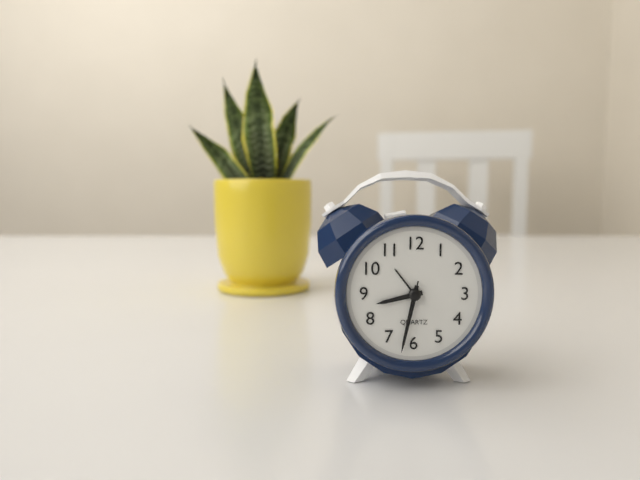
8:32:32
